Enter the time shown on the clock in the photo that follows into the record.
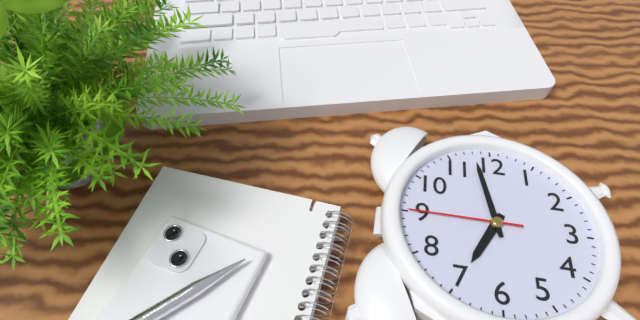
6:58:45
